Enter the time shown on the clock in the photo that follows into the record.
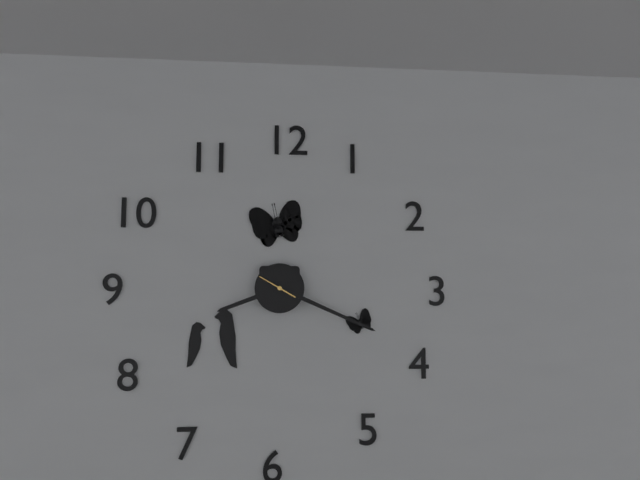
8:19
